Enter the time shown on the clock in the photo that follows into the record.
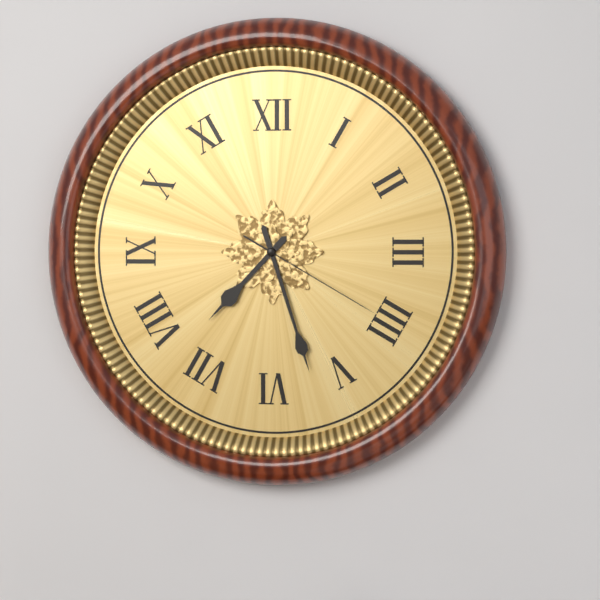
7:27:20
